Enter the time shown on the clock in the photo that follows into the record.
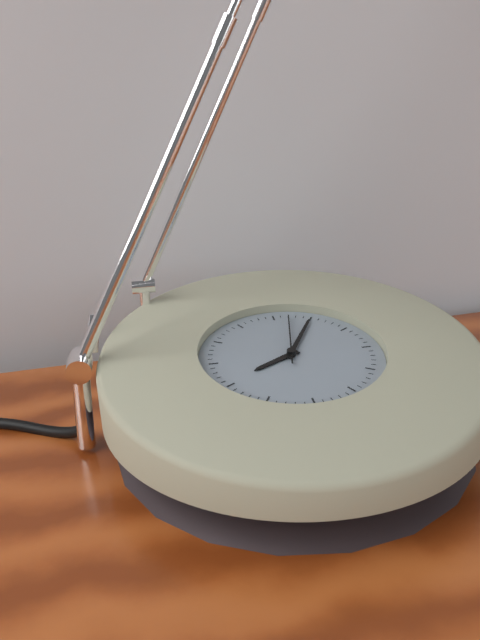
8:05
